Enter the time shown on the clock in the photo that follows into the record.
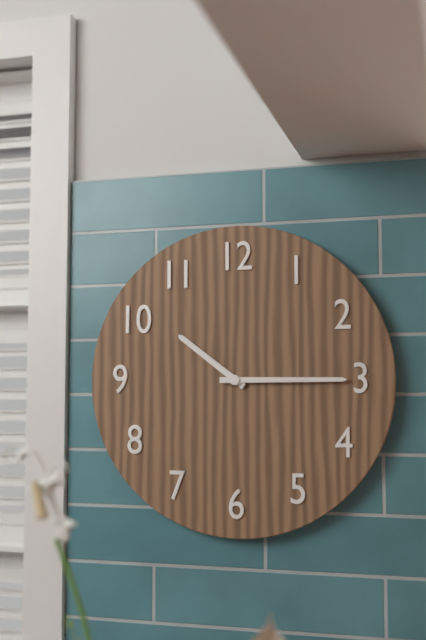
10:15
